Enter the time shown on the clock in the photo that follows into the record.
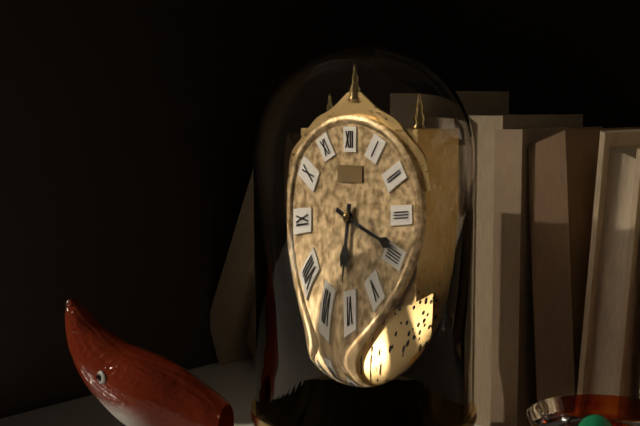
6:19
